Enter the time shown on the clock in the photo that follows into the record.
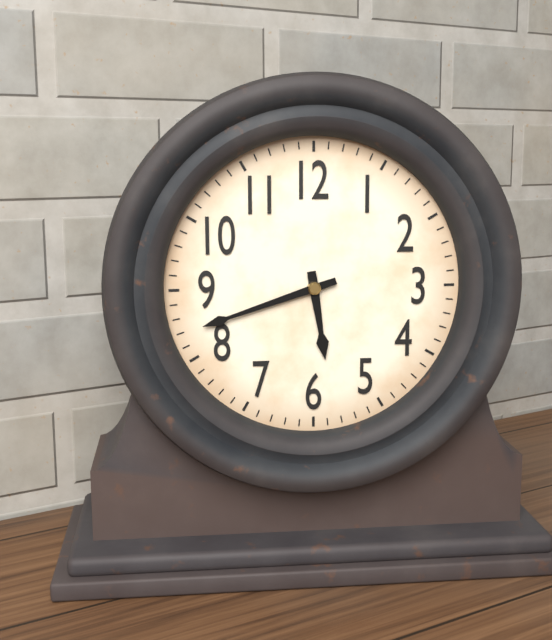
5:42
